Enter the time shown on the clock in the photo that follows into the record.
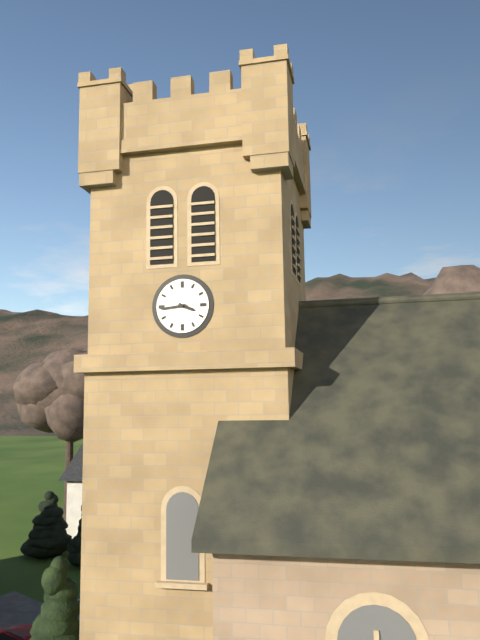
3:44
